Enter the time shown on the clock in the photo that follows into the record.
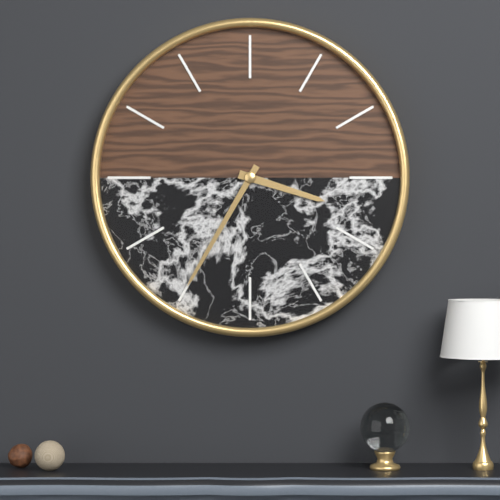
3:35
